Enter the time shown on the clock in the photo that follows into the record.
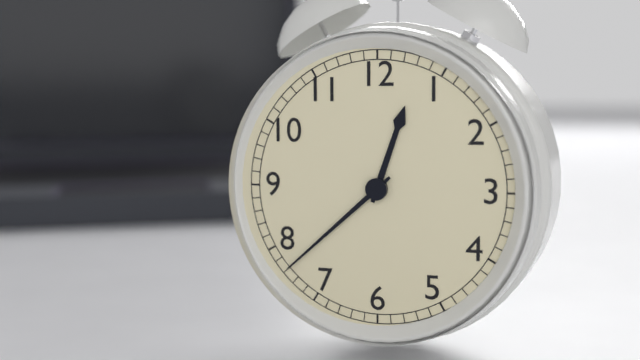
12:38
